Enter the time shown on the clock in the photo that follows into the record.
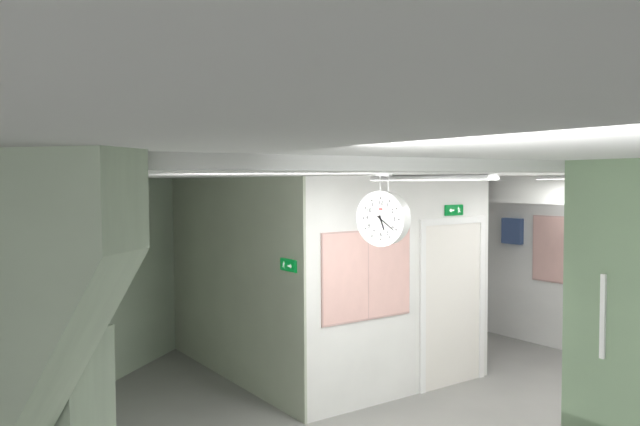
5:21
